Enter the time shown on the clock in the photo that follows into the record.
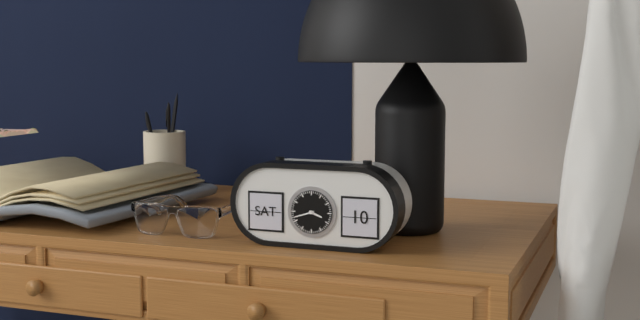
3:42
